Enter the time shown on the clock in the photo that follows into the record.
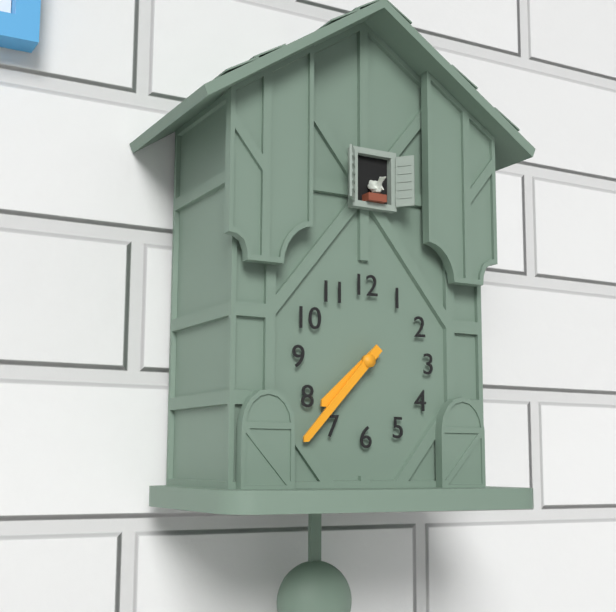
7:37
